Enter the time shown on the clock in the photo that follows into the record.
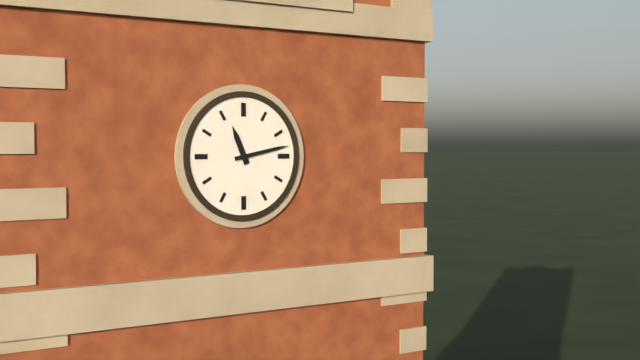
11:13
